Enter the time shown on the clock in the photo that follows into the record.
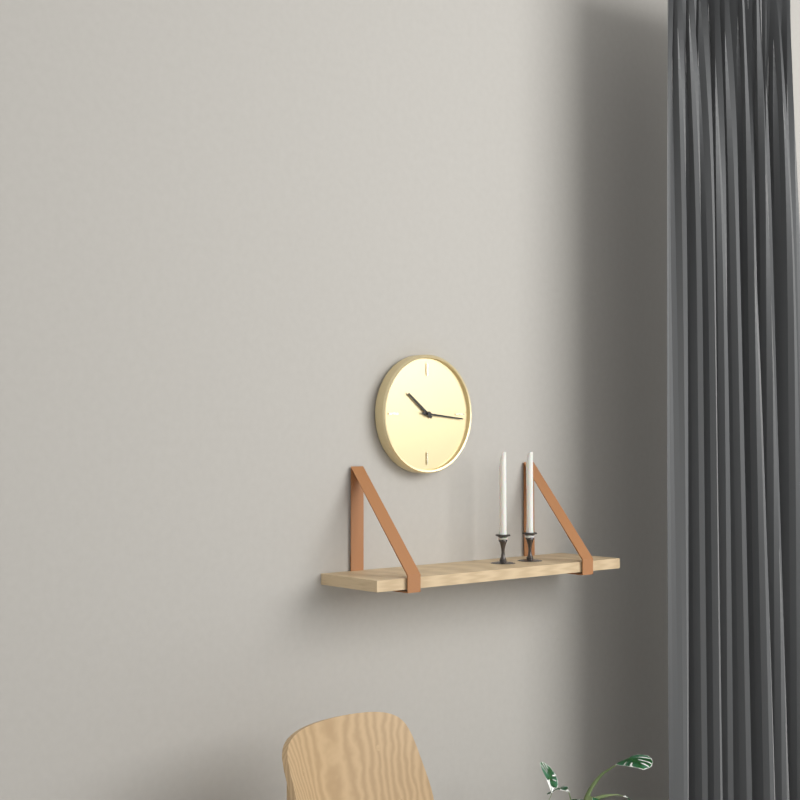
10:16
